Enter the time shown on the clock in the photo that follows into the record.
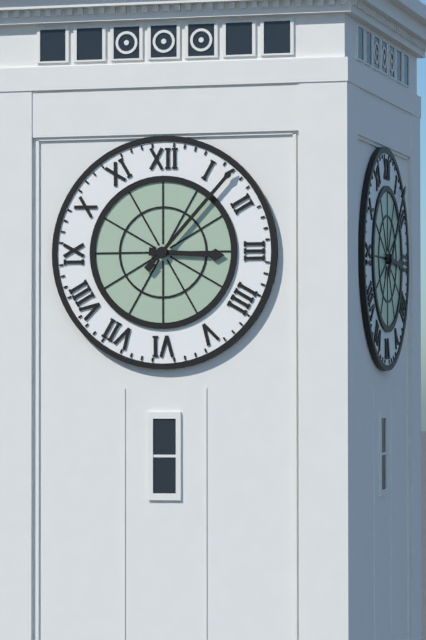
3:07
